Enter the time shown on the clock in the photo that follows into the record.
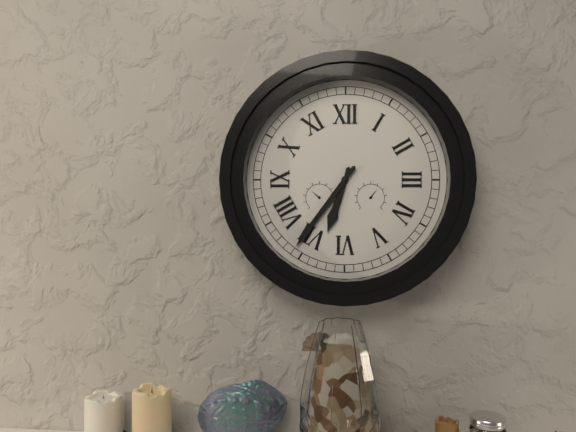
6:36
